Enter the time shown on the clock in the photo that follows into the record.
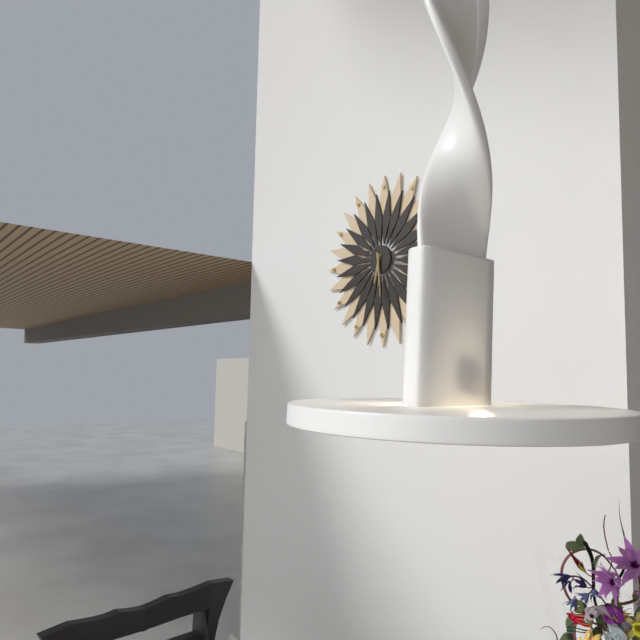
6:29
